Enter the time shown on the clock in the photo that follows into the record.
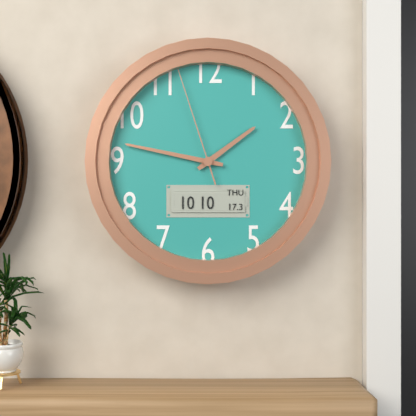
1:47:57
